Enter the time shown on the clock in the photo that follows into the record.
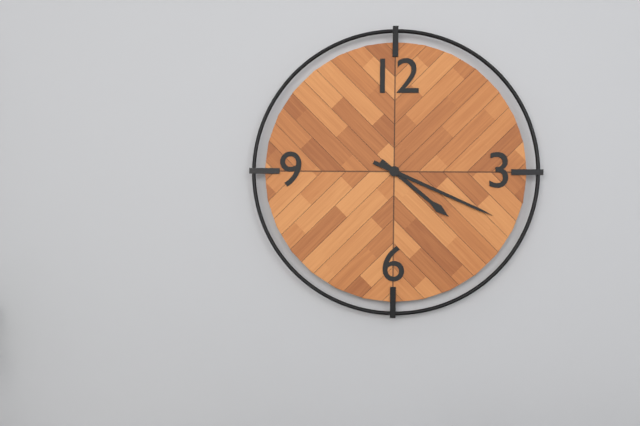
4:19
